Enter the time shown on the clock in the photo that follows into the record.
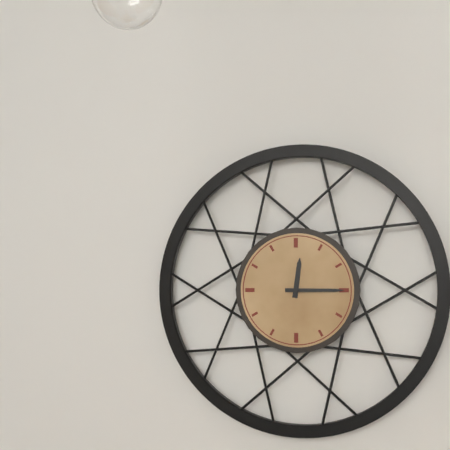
12:15
